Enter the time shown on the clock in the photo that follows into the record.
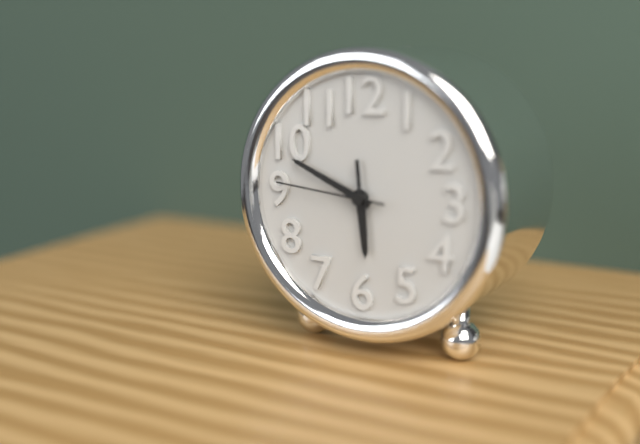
5:49:46
